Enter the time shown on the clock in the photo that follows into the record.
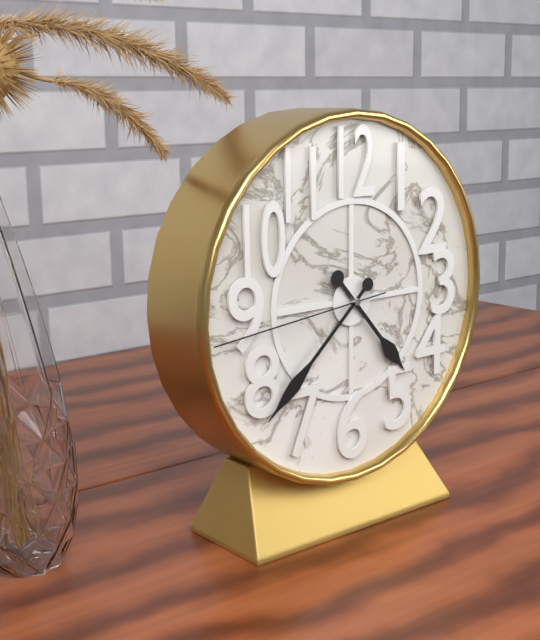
4:38:44
